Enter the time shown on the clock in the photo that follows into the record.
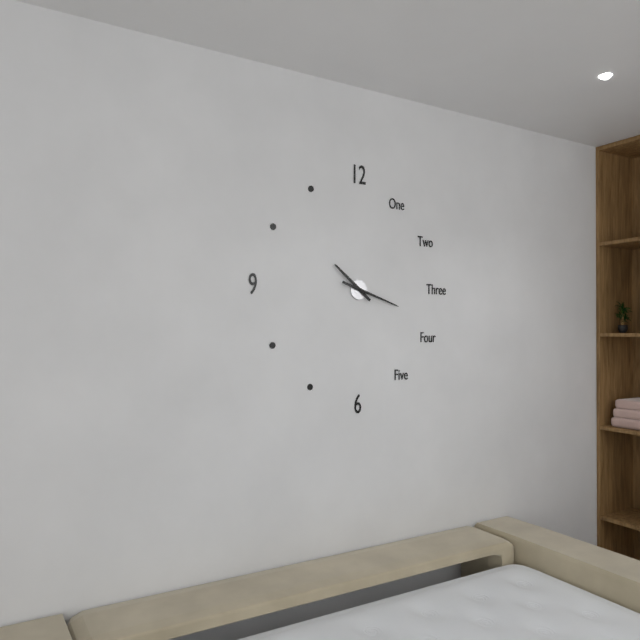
10:18
